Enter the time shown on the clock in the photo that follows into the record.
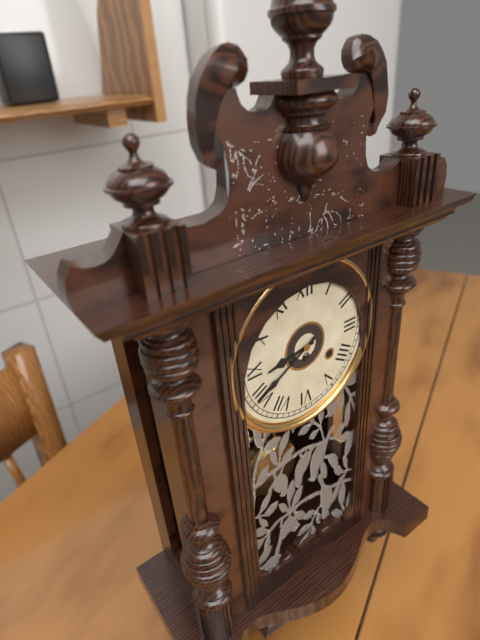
8:40
